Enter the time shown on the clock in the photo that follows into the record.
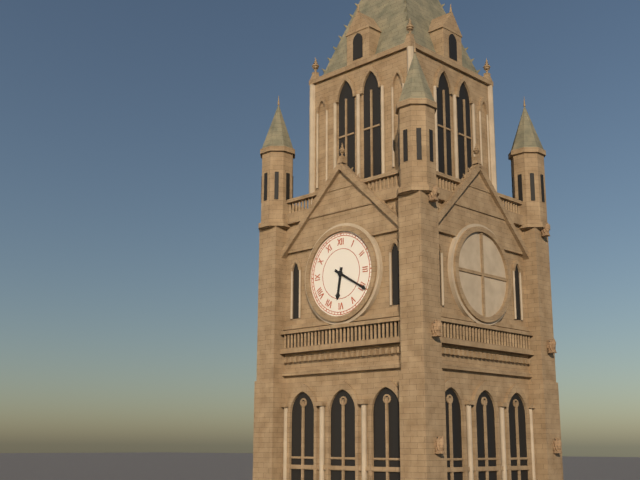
6:20
